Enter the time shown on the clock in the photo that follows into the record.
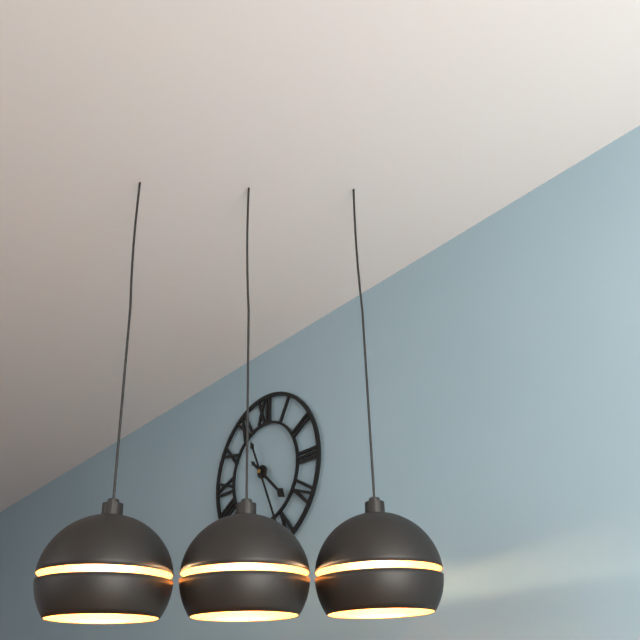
4:26
